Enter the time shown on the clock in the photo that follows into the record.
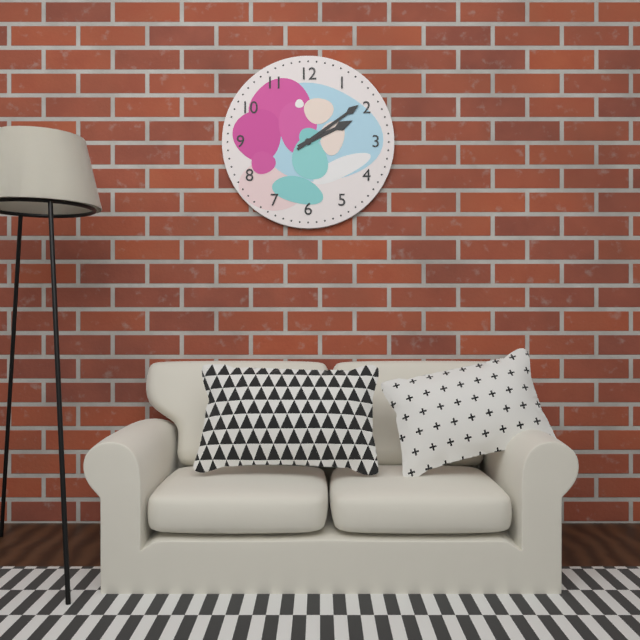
2:09
